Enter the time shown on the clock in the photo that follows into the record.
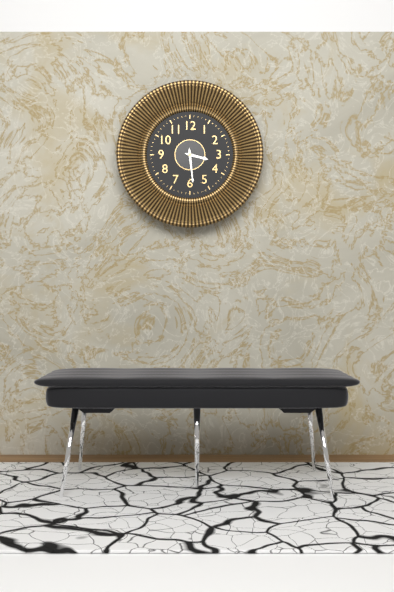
3:29
